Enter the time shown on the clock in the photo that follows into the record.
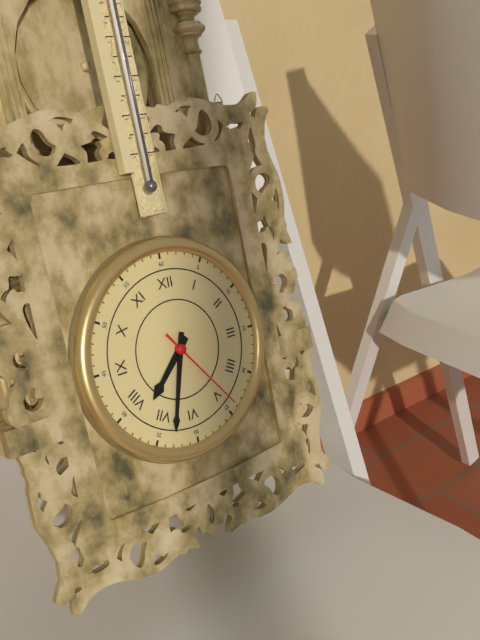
7:33:24
